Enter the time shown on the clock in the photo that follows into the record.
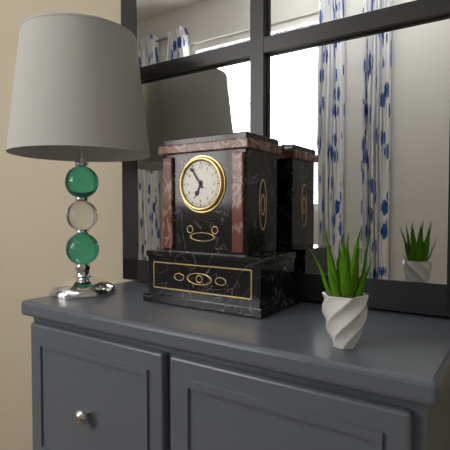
6:54
